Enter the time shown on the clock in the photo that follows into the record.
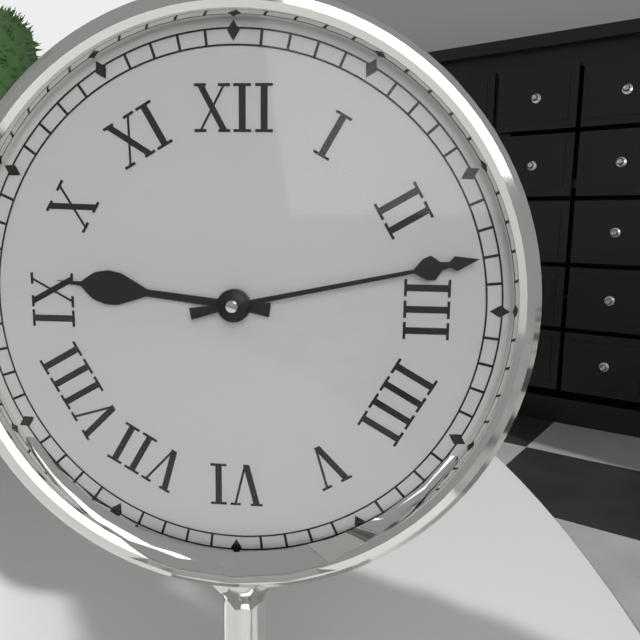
9:13
